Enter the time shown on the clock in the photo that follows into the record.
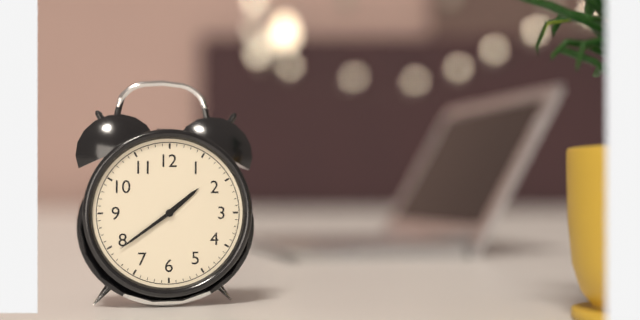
1:39
